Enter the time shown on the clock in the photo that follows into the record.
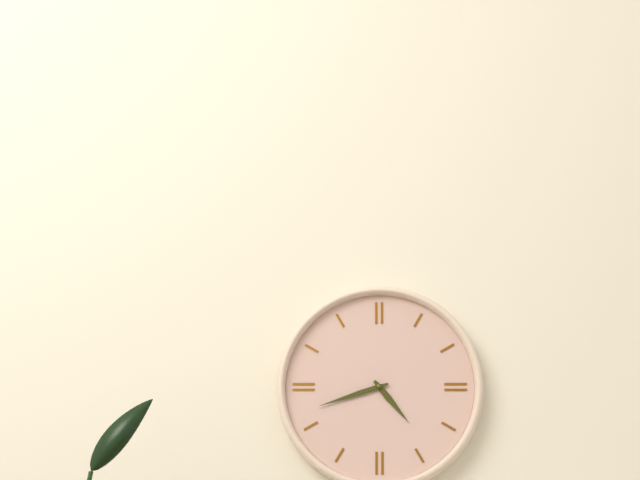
4:42
